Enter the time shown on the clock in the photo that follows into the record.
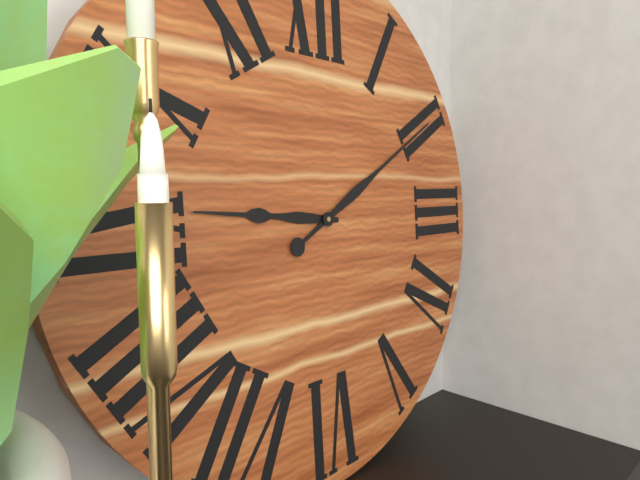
9:10
